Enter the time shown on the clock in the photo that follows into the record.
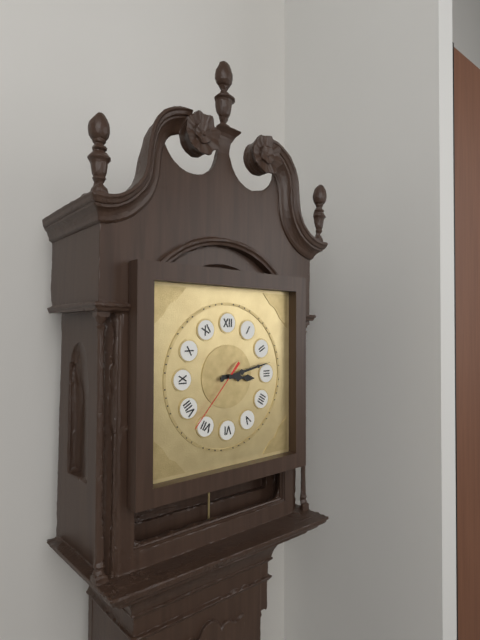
3:13:37
